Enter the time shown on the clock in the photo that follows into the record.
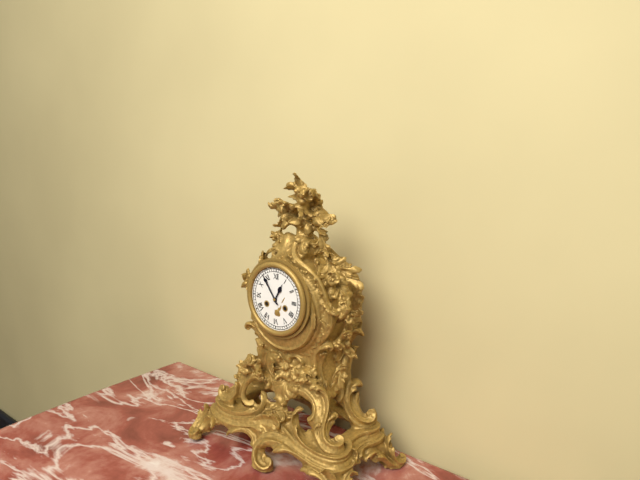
12:54
